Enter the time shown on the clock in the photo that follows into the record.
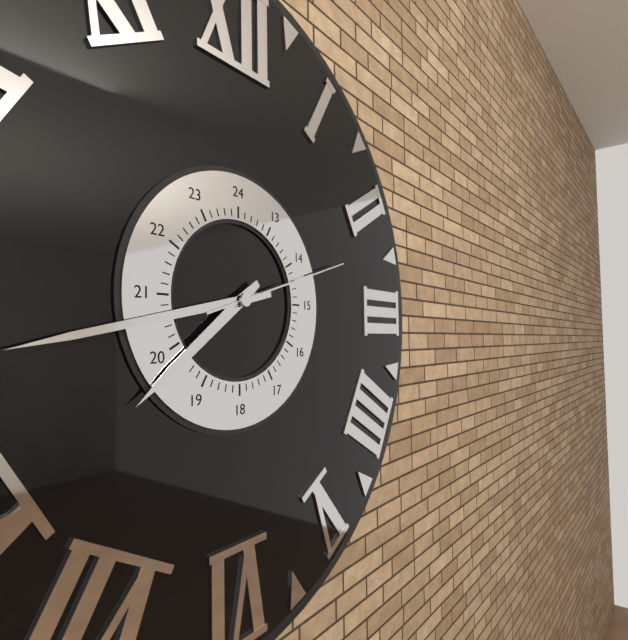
7:43:12
